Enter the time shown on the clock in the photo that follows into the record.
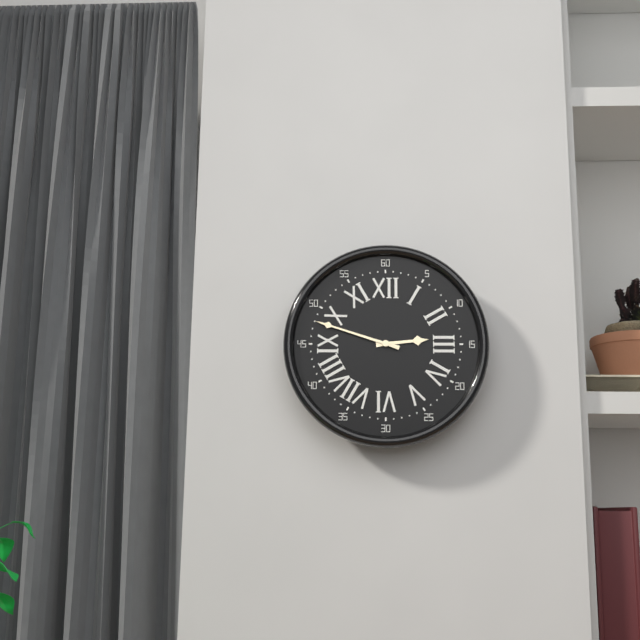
2:48
